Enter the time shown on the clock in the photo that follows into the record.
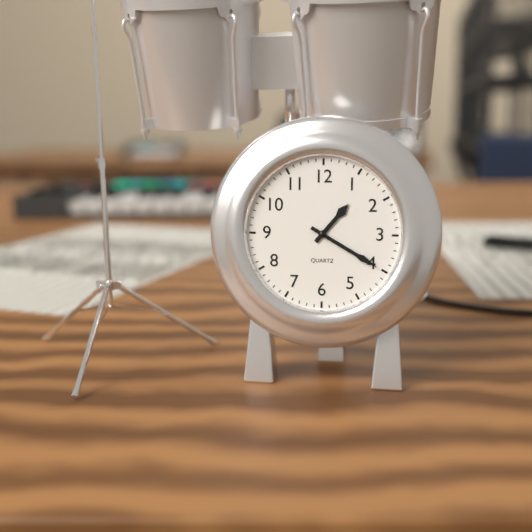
1:20
